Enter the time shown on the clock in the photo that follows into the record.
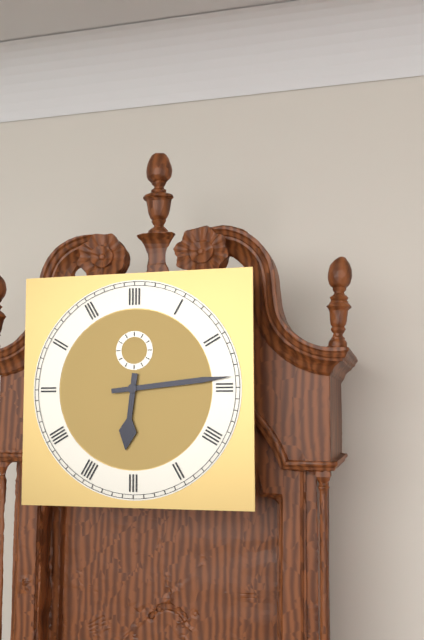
6:14
